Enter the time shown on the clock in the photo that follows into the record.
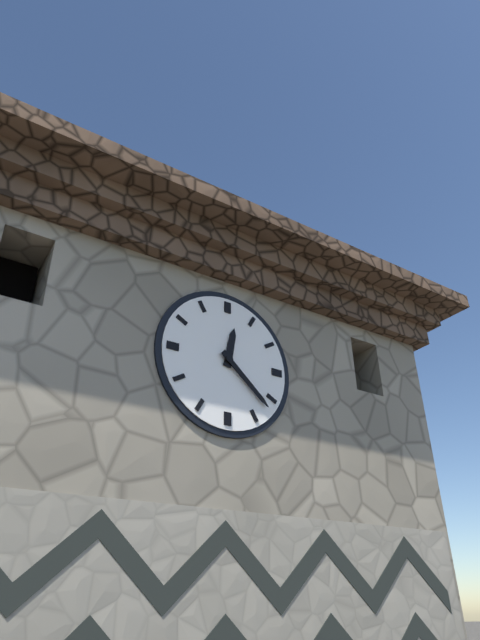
12:22
